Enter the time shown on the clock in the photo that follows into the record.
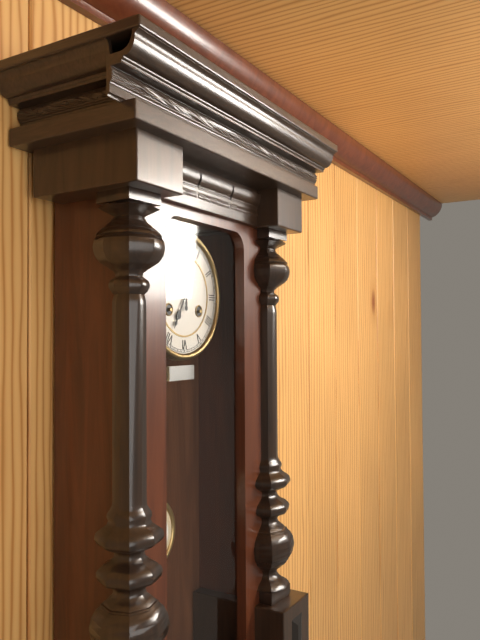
7:00
